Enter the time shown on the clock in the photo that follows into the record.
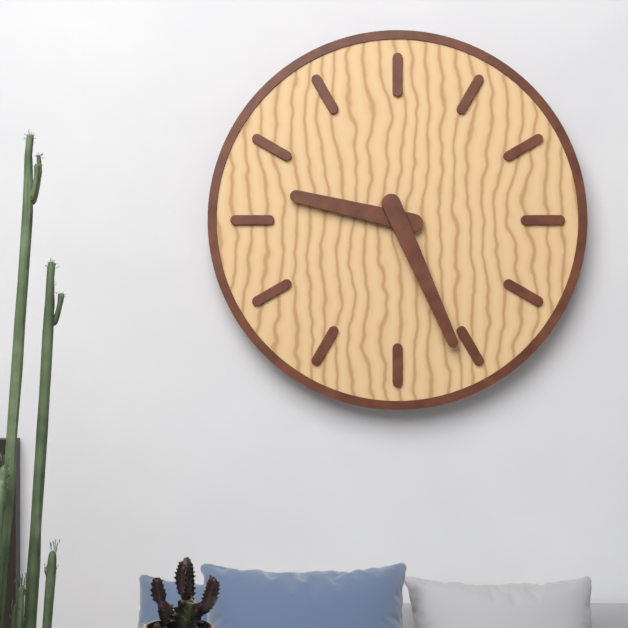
9:26
